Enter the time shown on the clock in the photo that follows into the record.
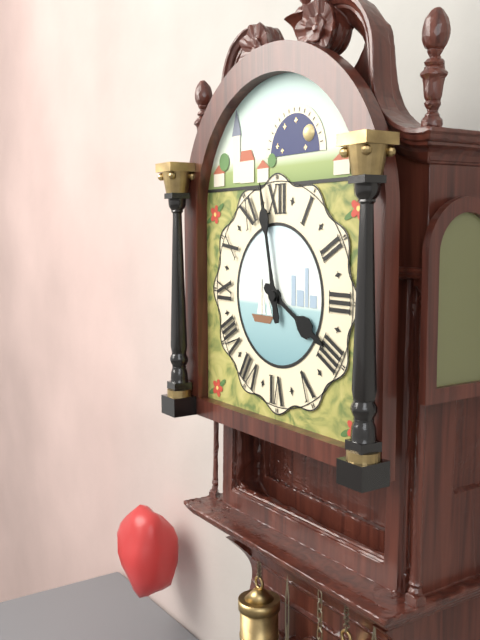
3:58
